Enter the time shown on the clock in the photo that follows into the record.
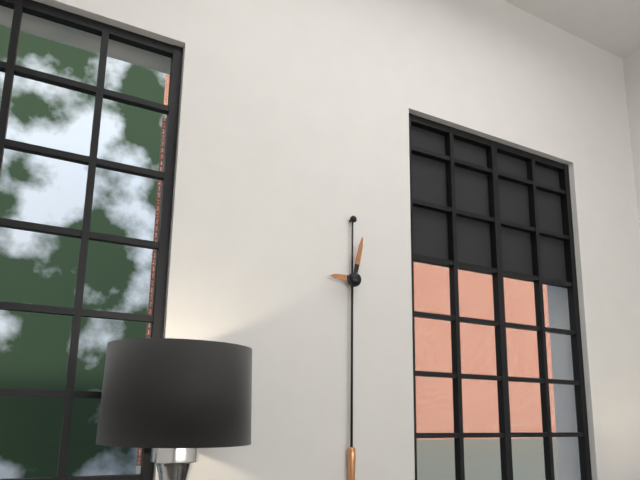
9:02
